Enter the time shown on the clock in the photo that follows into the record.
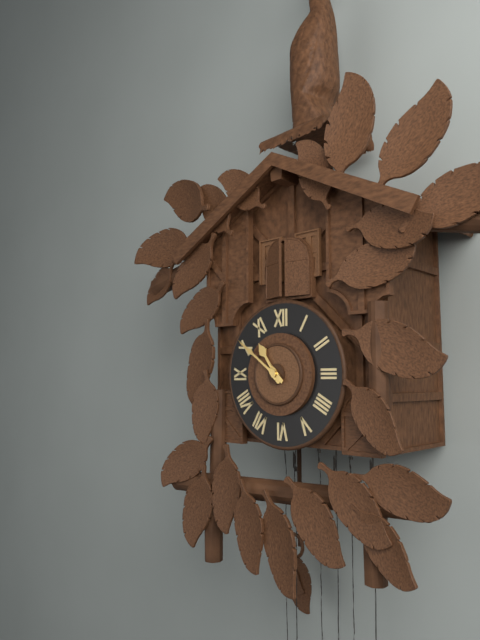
10:51
